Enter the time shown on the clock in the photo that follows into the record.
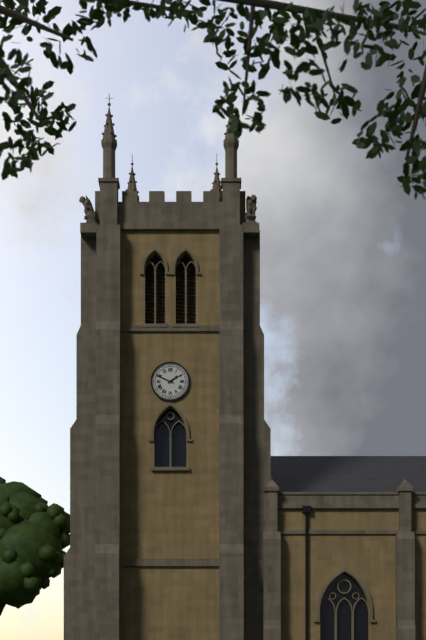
1:49
